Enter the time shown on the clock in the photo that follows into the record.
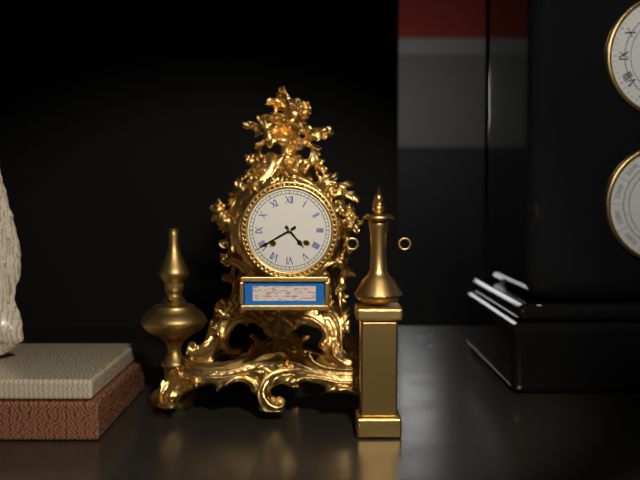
4:40
